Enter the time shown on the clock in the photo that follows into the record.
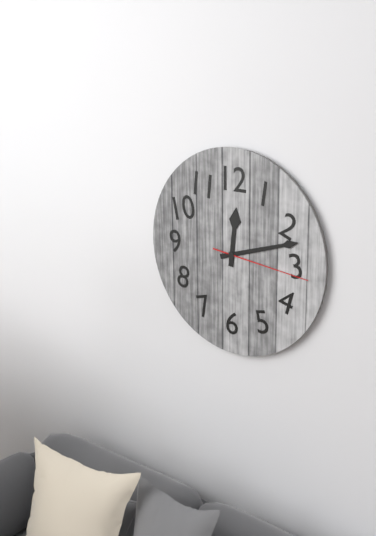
12:12:16
